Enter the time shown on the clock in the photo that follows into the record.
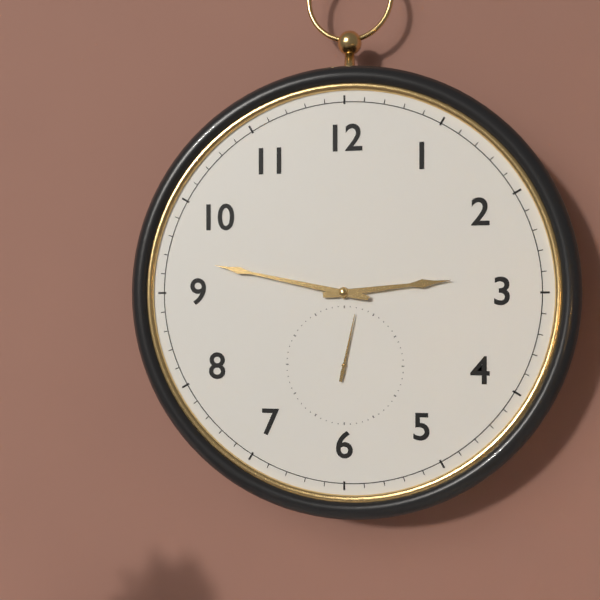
2:47:02
